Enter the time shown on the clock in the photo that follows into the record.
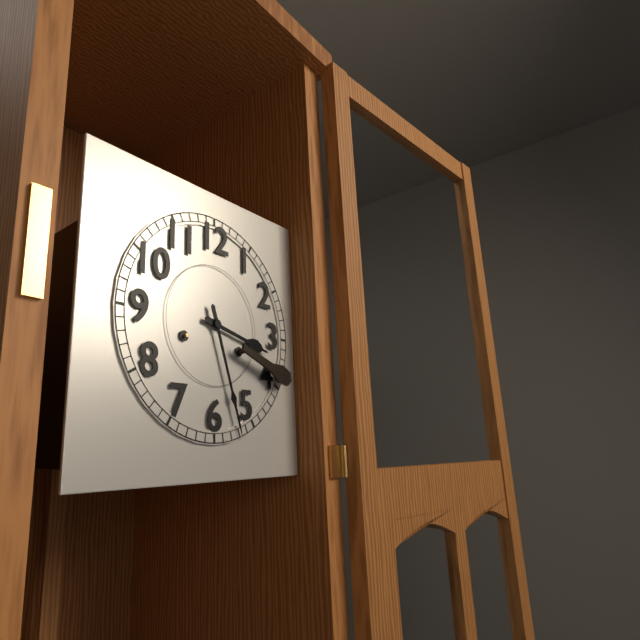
3:27
